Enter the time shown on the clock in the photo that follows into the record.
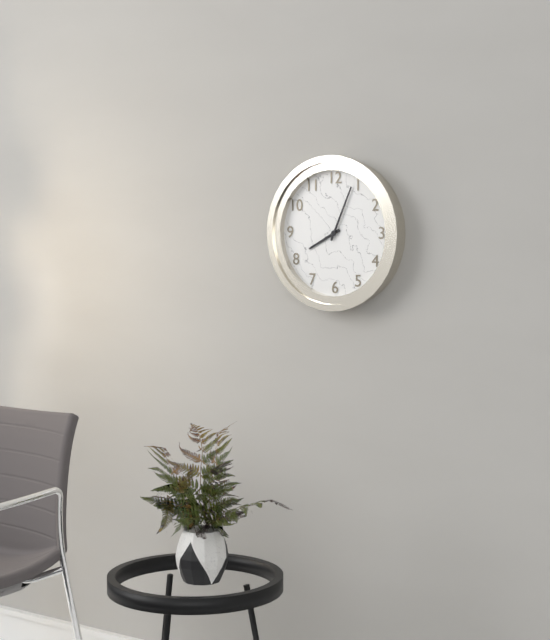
8:04
